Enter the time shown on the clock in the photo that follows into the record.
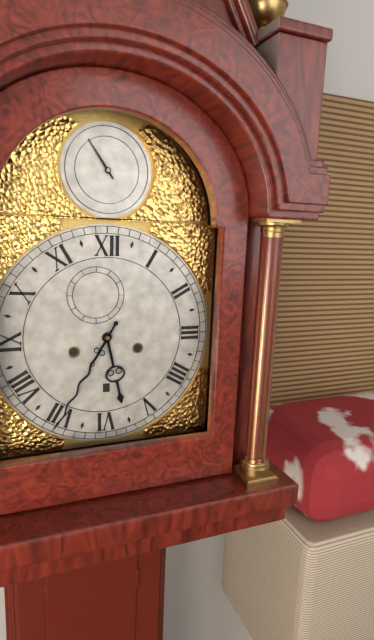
5:35
